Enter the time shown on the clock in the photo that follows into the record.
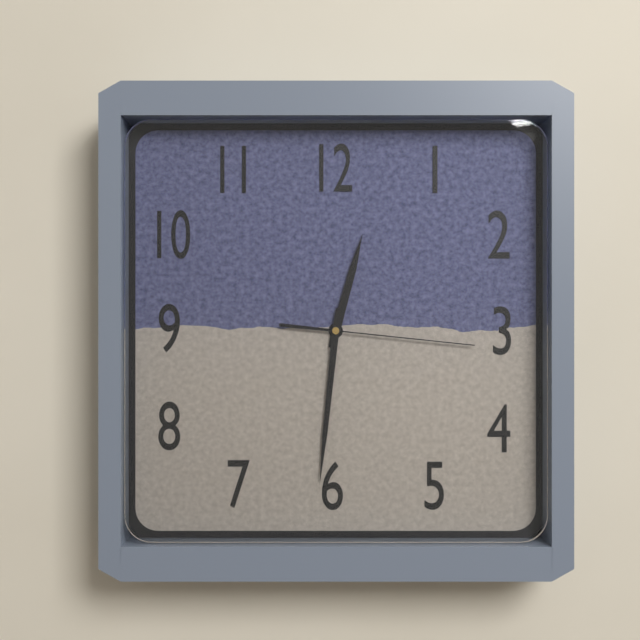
12:31:16
